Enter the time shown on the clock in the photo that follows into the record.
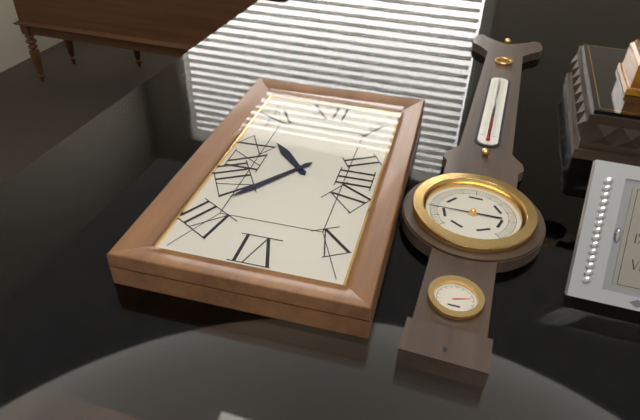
10:36
